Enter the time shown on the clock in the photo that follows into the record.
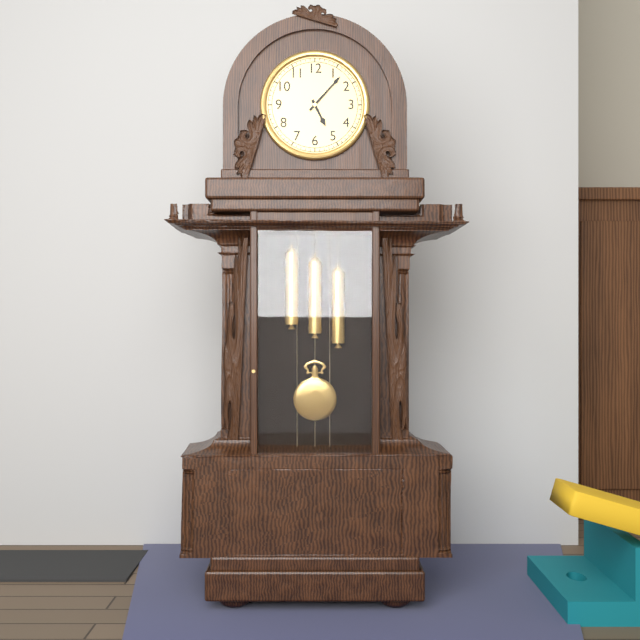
5:07
